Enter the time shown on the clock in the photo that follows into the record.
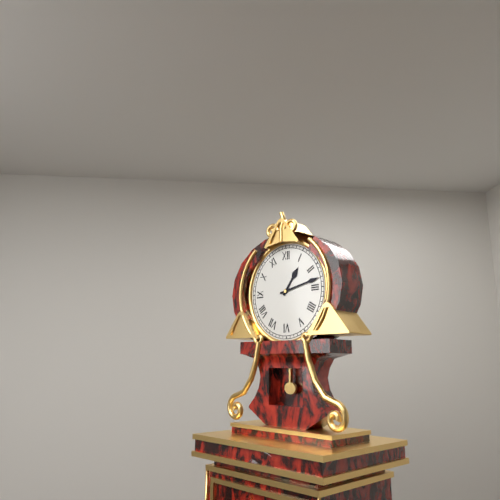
1:13
